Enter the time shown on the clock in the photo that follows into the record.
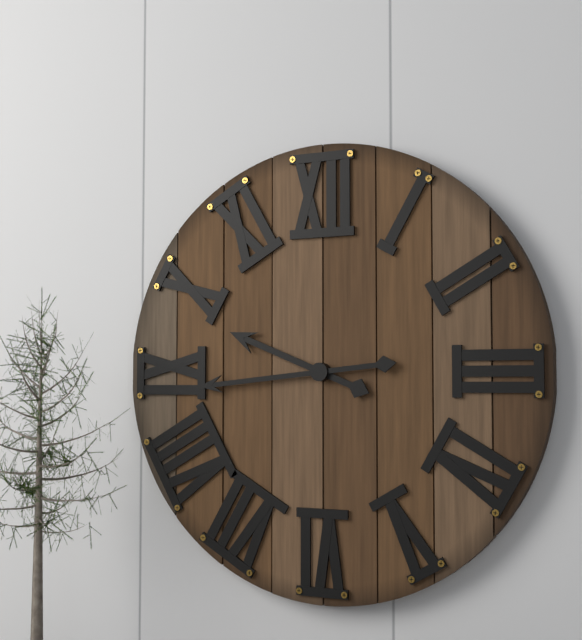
9:44
